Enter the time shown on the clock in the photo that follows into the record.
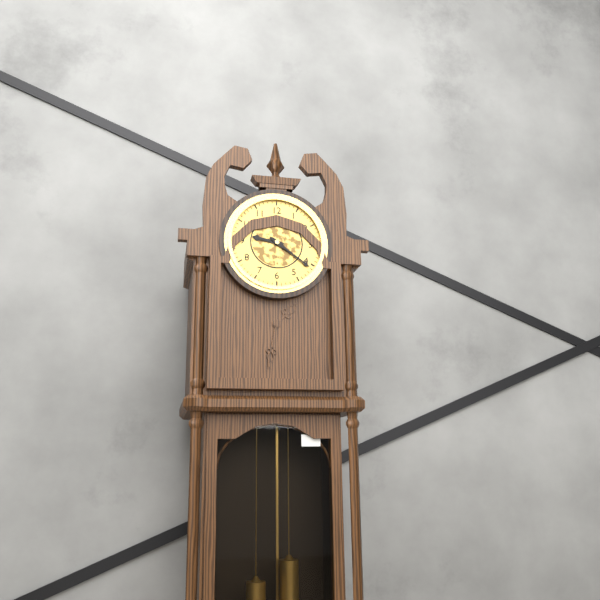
9:21
